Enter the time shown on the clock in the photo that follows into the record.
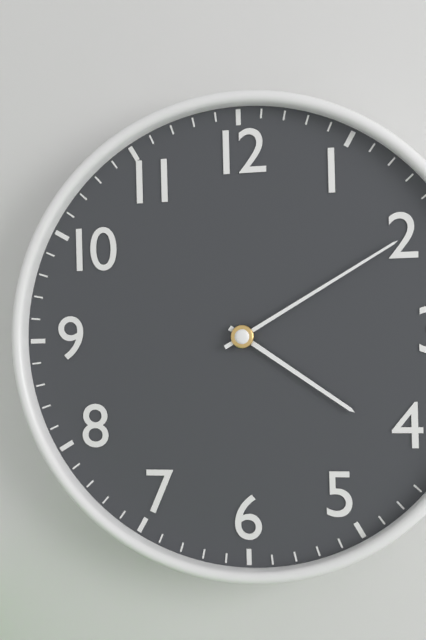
4:10
